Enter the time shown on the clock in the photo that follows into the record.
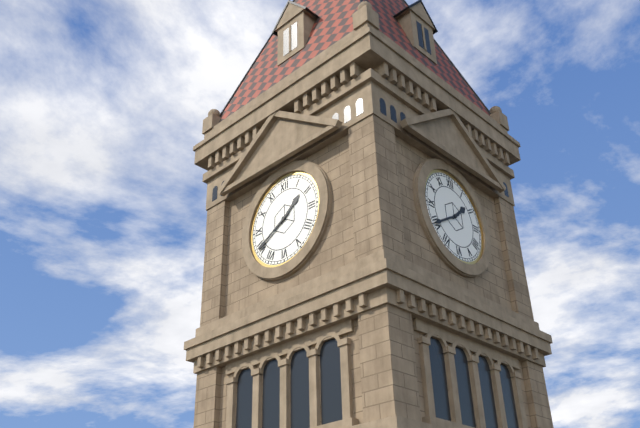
1:40
